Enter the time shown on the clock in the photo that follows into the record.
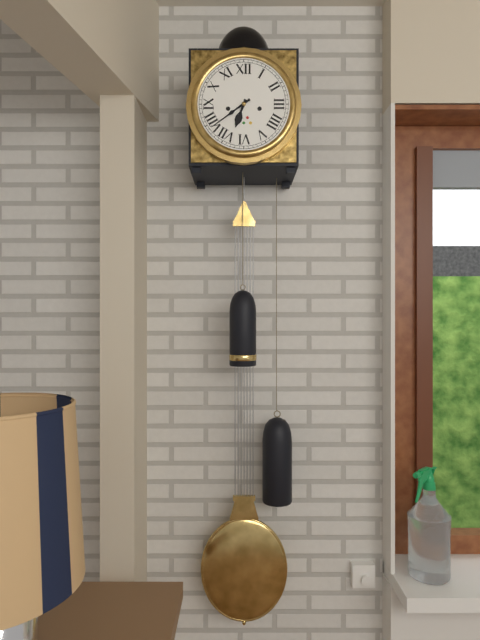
6:39
